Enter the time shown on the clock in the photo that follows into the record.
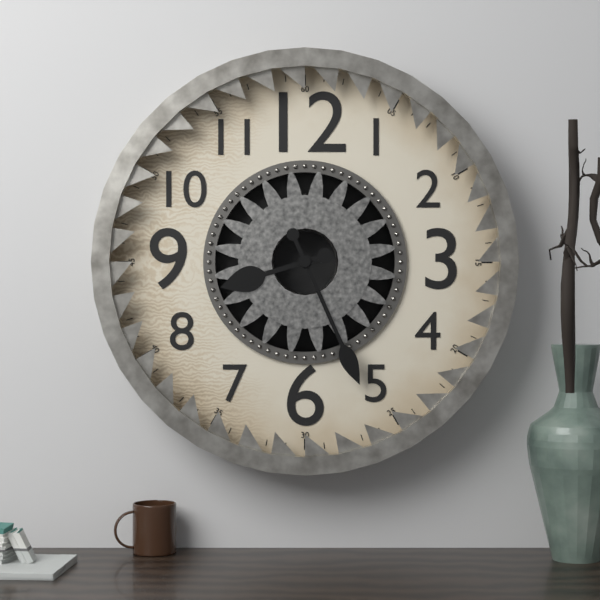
8:26
